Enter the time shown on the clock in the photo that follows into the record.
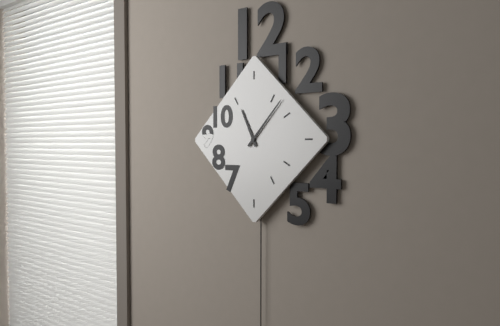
11:07
